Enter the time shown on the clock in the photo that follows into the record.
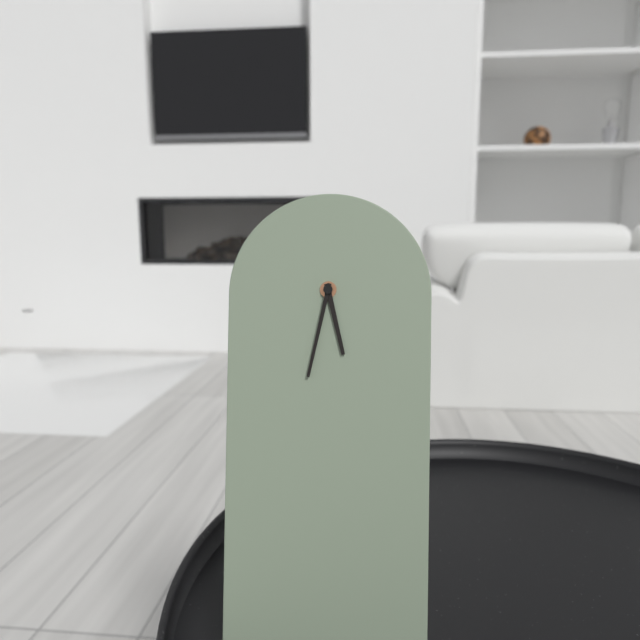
5:32
